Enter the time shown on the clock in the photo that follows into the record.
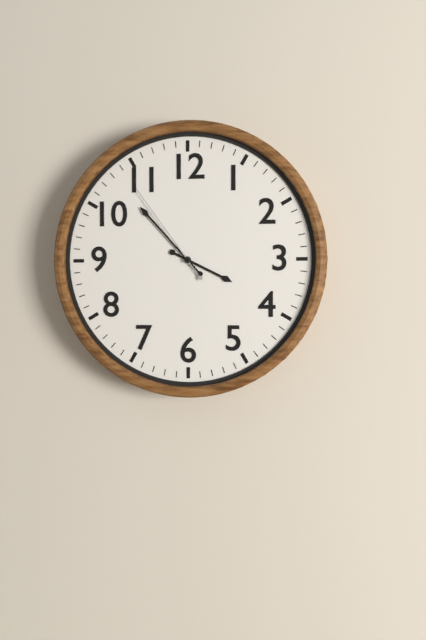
3:53:54
